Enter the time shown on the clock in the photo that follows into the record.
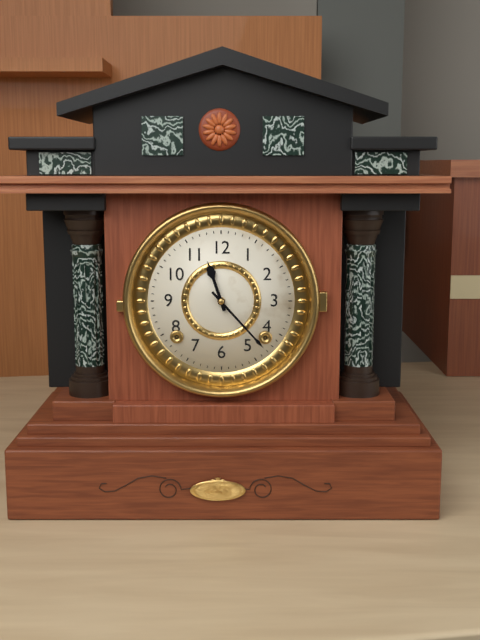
11:23
